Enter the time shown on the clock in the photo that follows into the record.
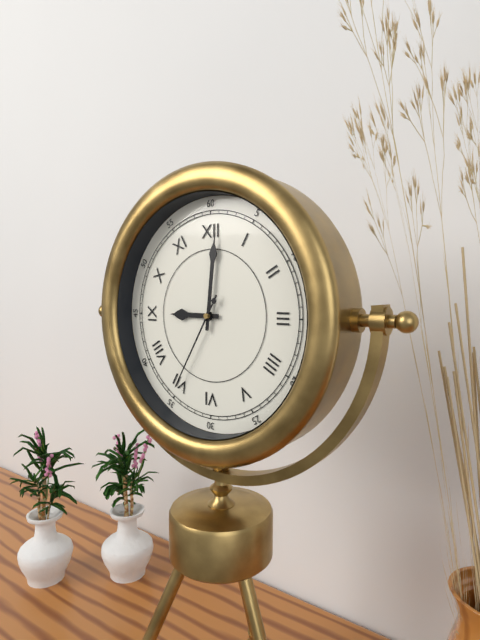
9:01:35
